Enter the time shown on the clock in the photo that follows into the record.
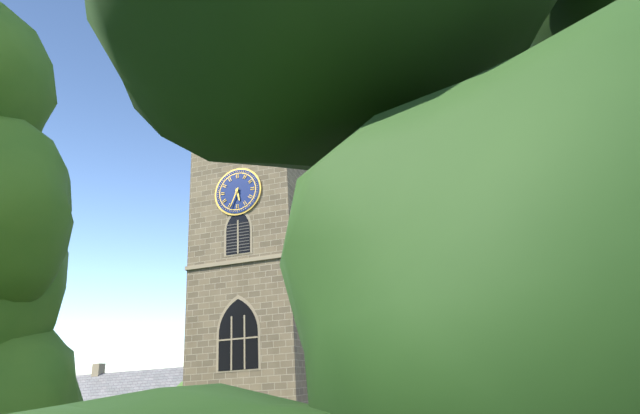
5:34
